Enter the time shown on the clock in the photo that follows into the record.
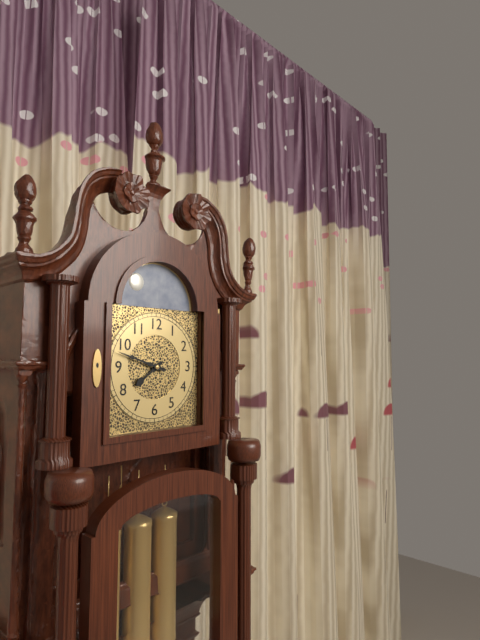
7:48
